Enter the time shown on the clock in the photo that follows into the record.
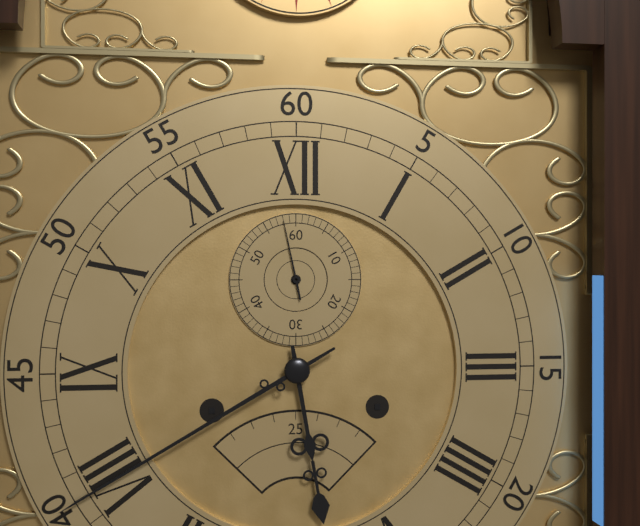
5:40:58
